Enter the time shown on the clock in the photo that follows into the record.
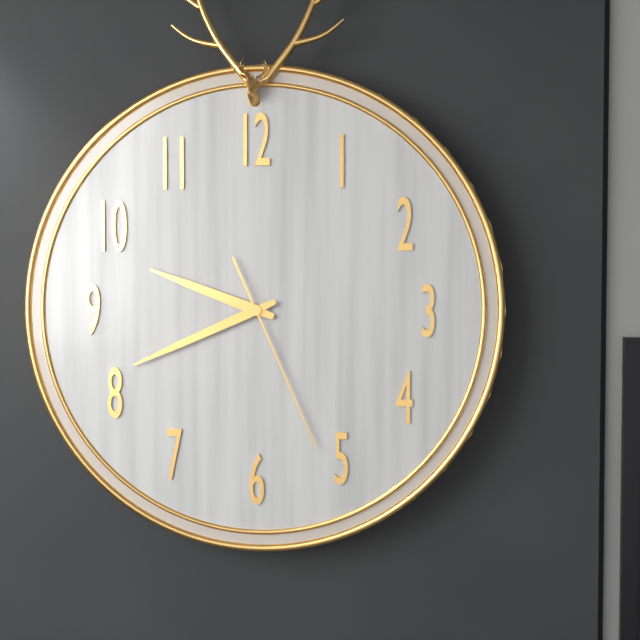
9:41:26
